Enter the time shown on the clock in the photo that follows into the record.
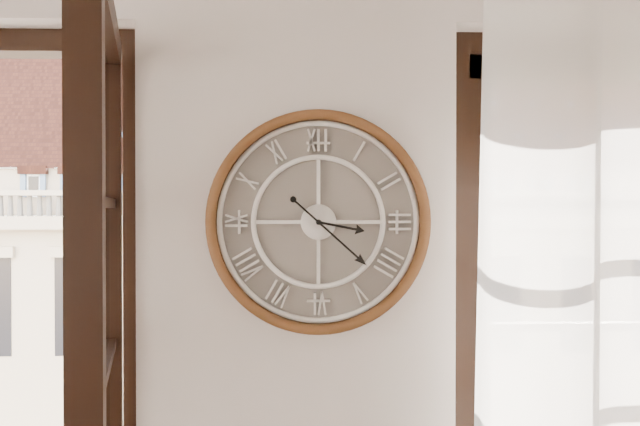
3:22
